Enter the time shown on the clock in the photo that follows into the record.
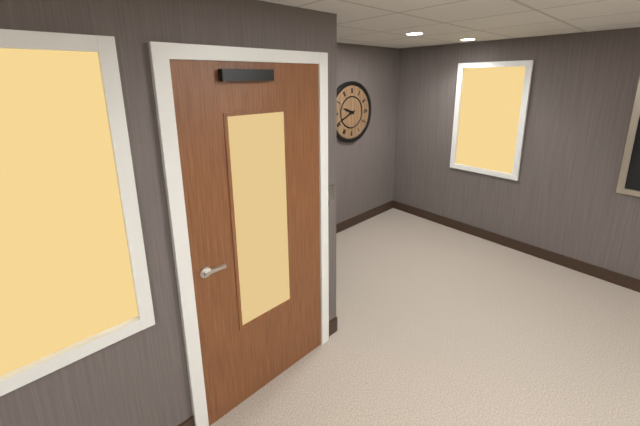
9:41
